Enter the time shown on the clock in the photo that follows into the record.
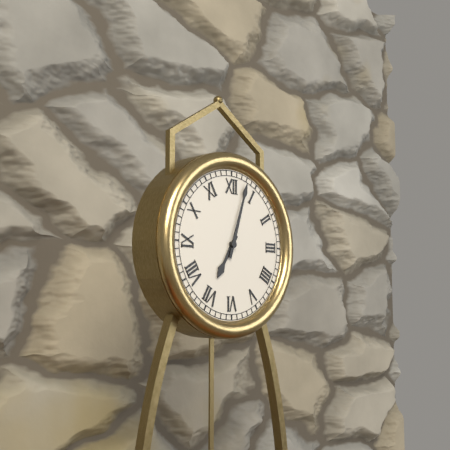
7:03
